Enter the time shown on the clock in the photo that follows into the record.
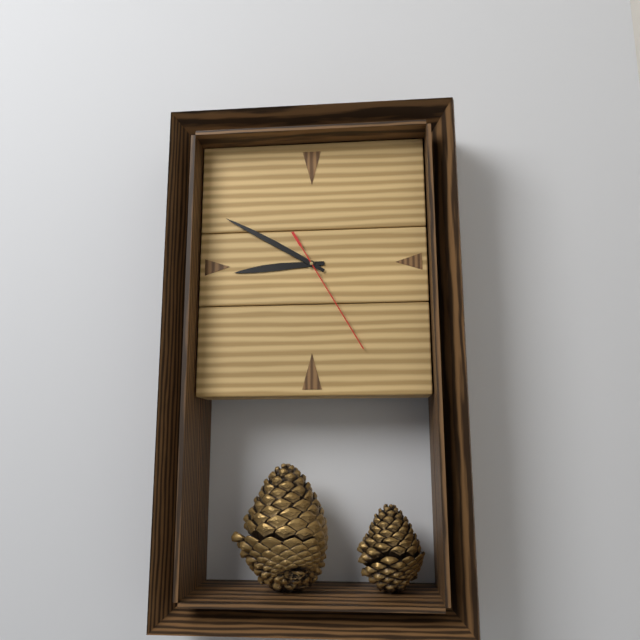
8:50:25
